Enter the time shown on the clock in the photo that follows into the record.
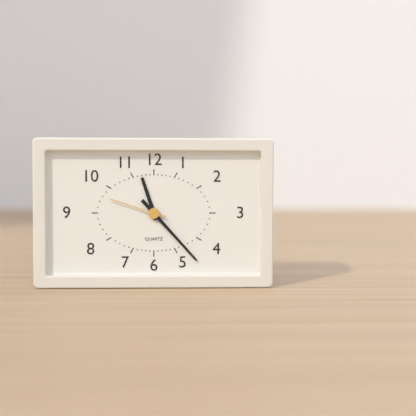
11:23:48
